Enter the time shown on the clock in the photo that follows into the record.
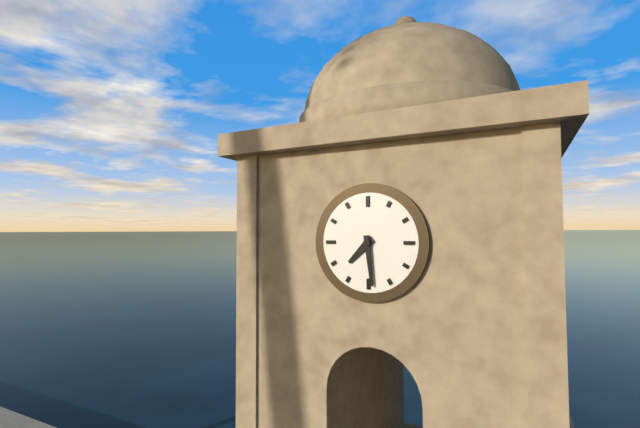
7:29
